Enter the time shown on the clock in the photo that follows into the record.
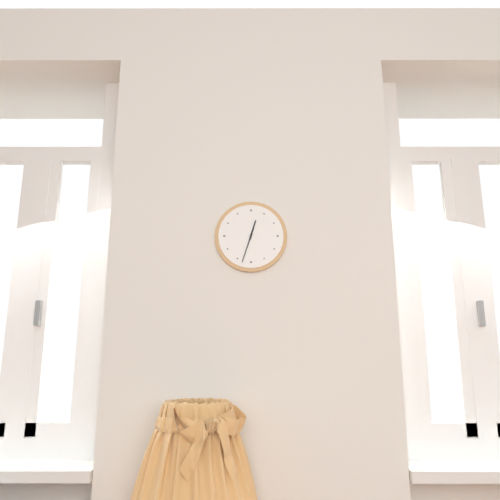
12:33
